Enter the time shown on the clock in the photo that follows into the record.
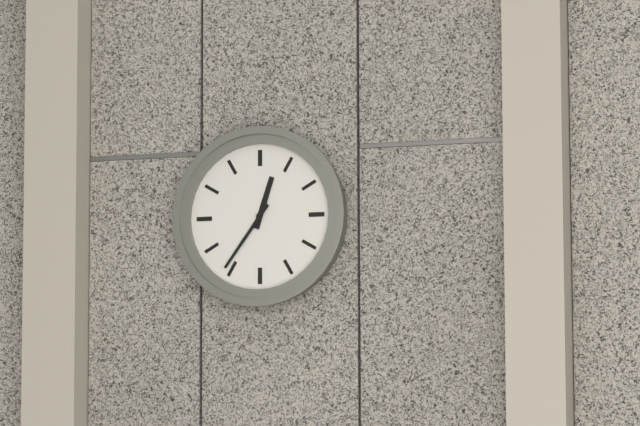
12:36
